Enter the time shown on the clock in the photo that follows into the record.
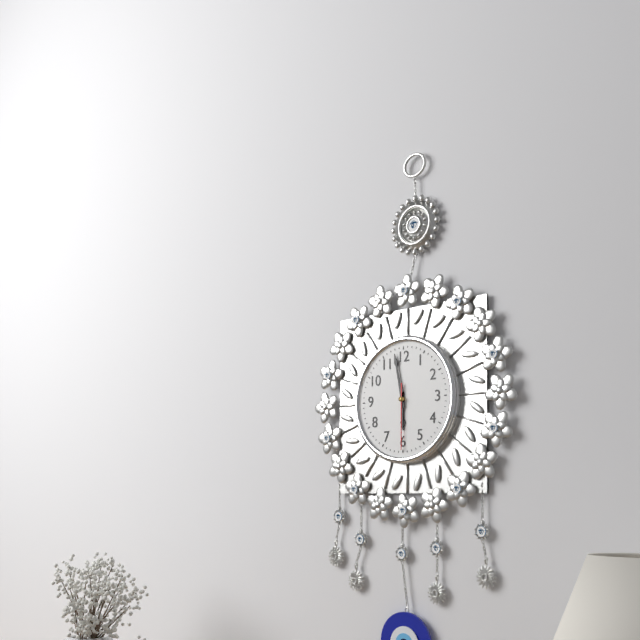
5:58:30
